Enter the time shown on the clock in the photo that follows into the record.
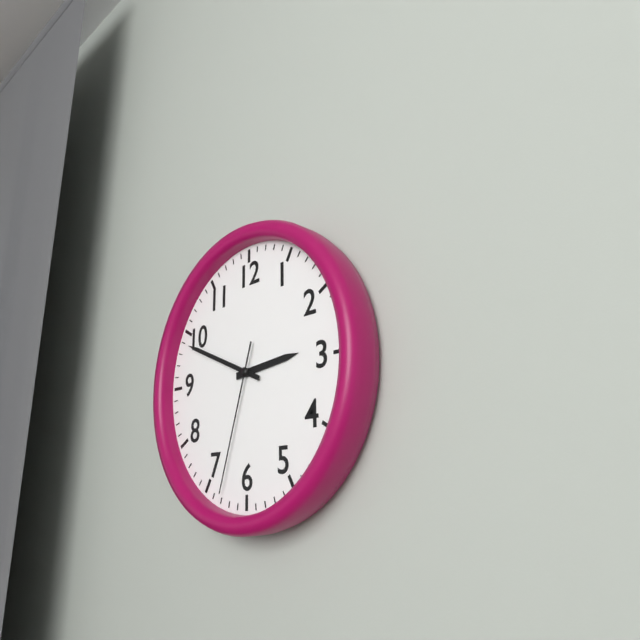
2:49:33
